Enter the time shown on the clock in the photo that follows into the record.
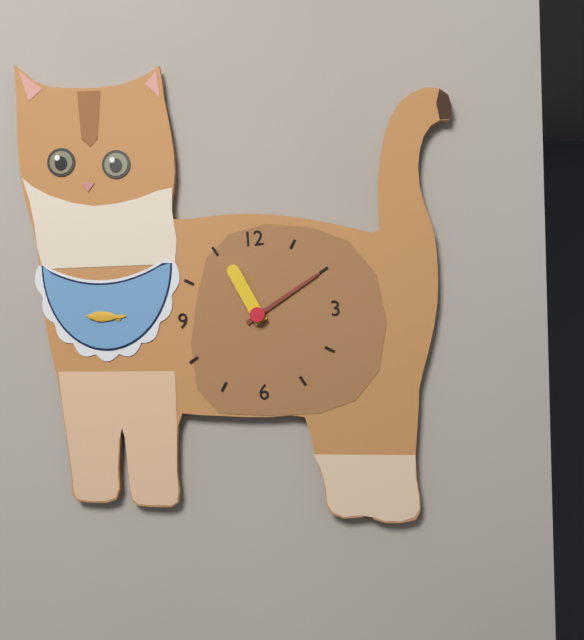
11:10
